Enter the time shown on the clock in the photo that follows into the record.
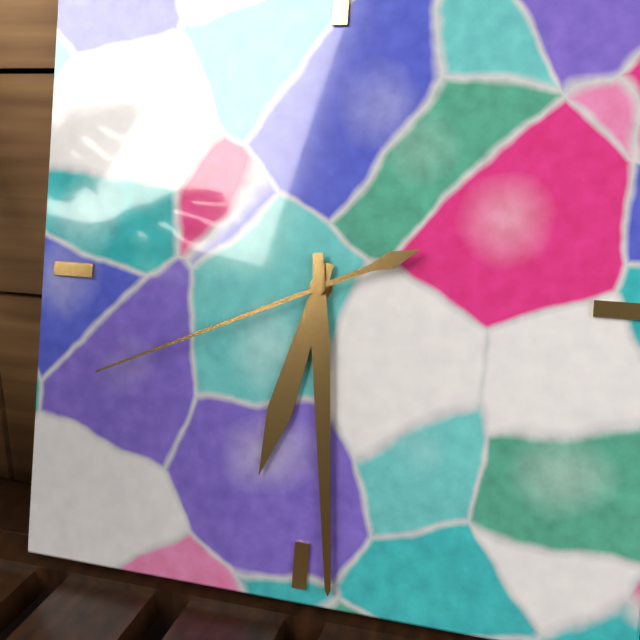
6:29:41
